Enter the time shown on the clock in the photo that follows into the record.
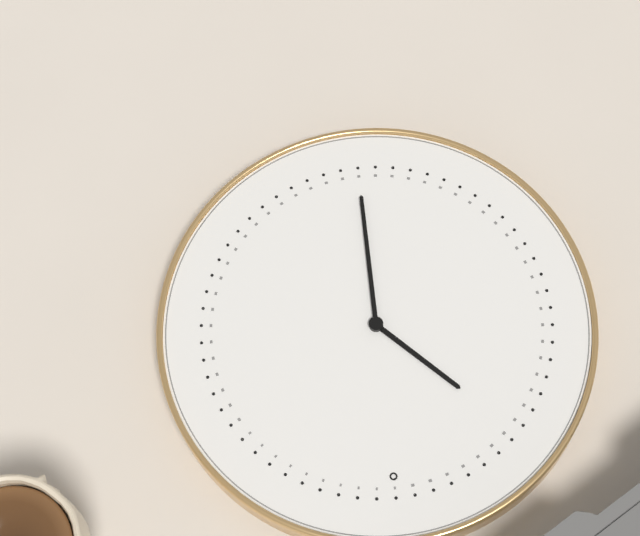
10:30
